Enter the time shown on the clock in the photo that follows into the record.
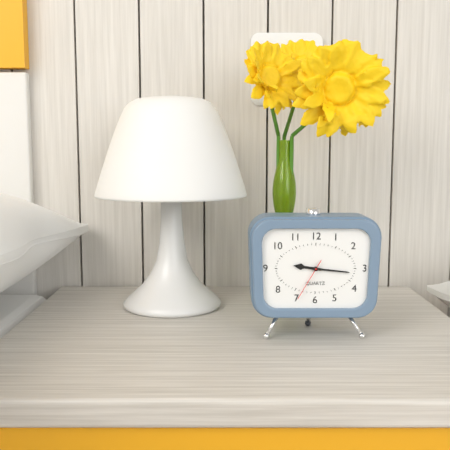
9:16
